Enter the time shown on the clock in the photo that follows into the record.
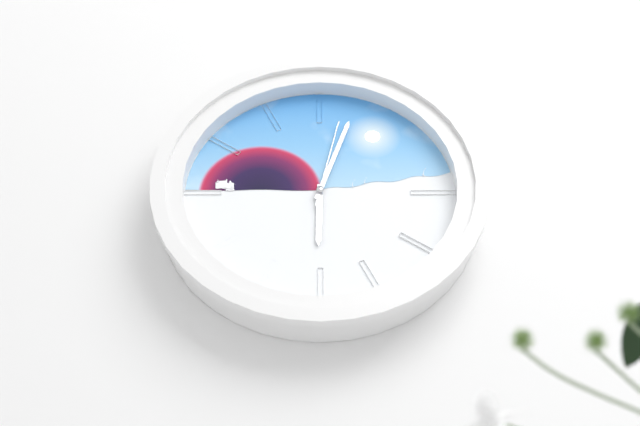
6:03:02
